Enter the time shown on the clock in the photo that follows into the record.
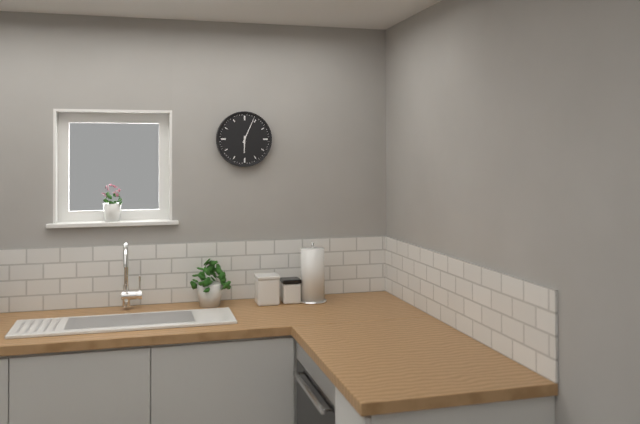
6:04
